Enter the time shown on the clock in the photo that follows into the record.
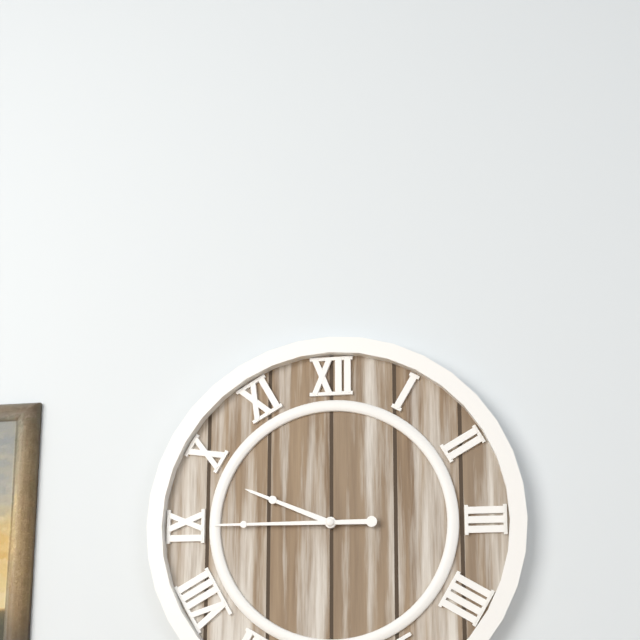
9:45
